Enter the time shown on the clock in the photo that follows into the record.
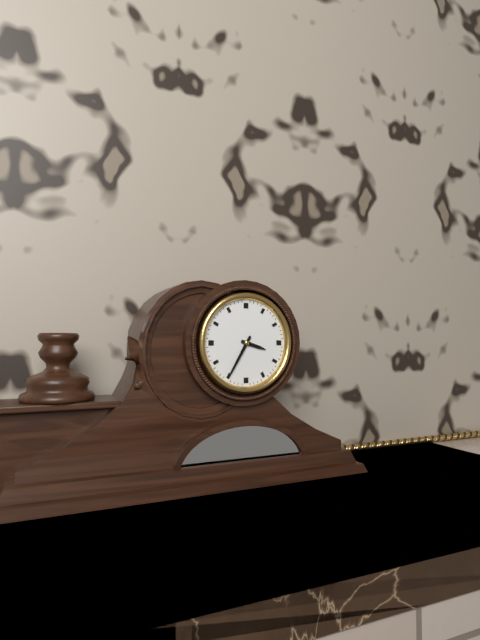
3:35
